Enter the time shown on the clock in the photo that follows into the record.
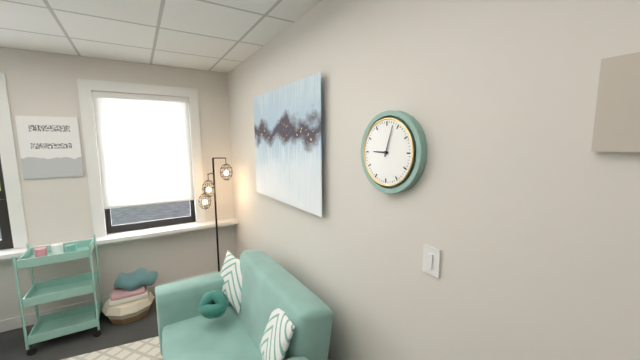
9:03
